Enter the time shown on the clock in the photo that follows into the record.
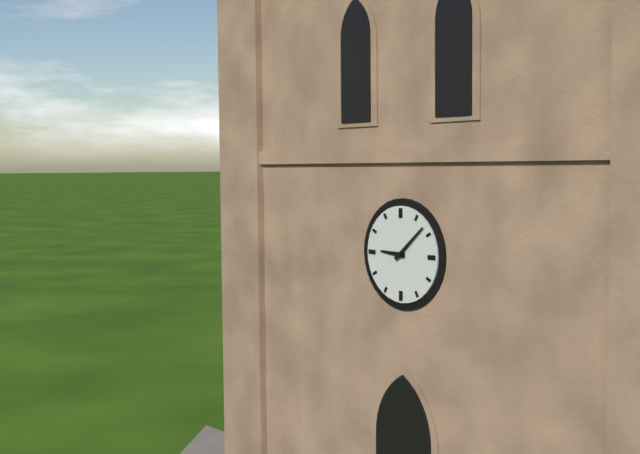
9:08
